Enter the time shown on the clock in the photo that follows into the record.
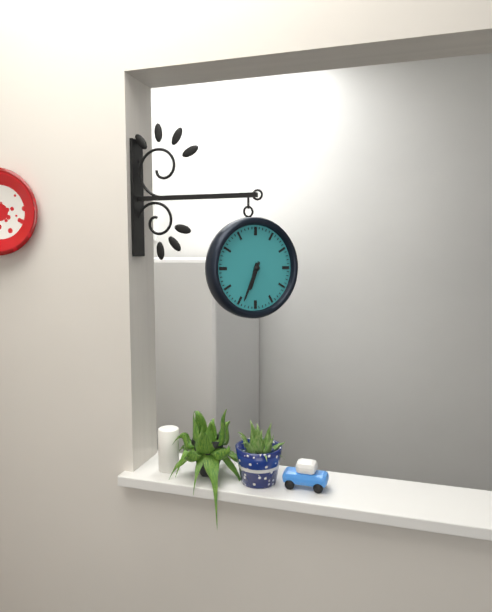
6:34
